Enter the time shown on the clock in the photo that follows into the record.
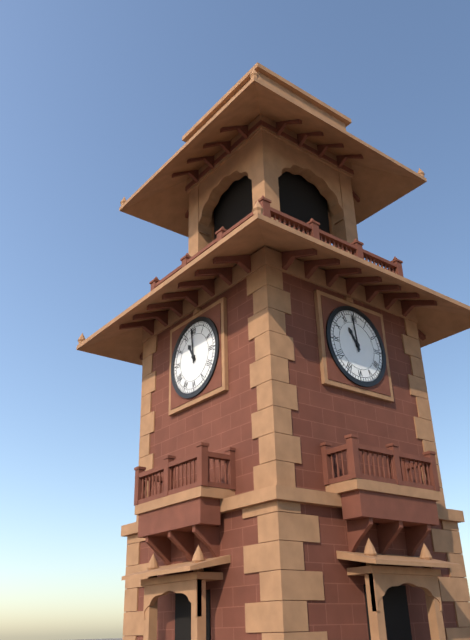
10:59
